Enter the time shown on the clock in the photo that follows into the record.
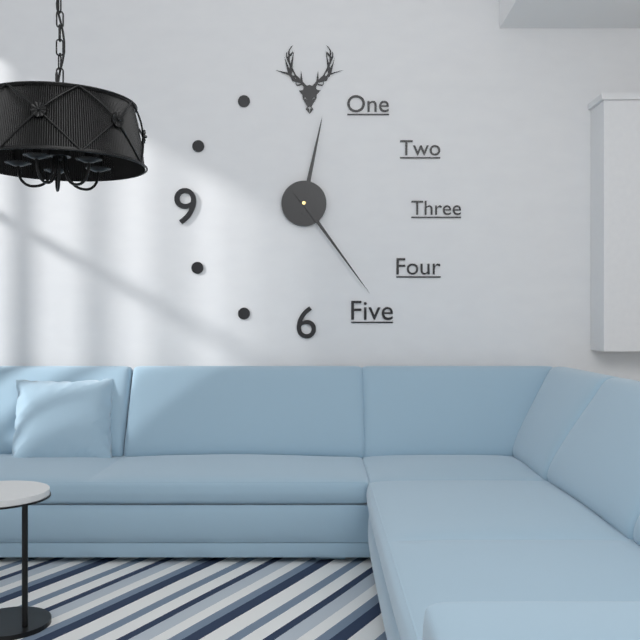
12:24
